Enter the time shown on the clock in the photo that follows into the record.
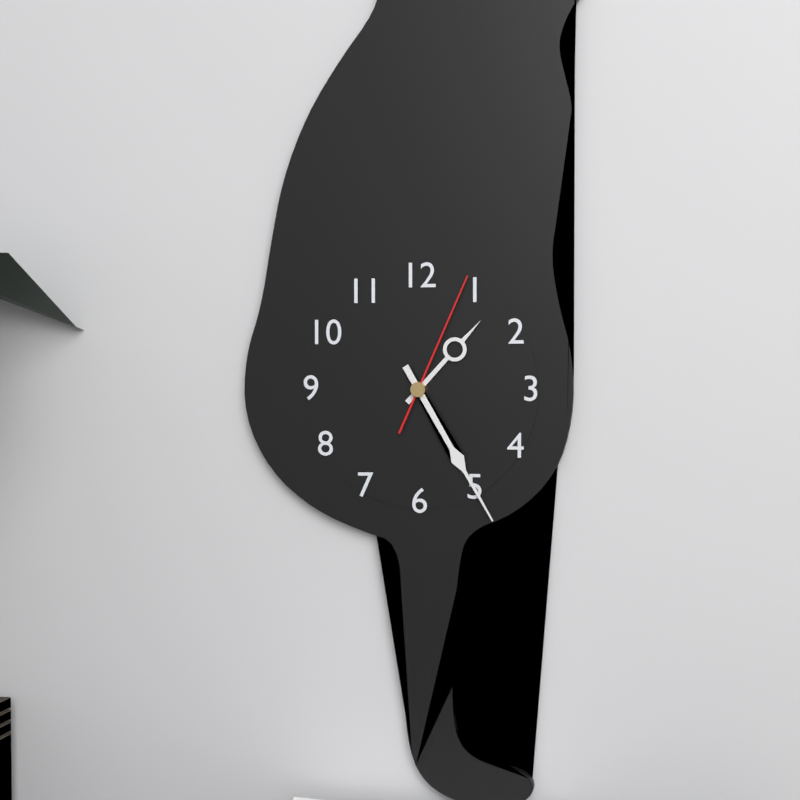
1:25:04
